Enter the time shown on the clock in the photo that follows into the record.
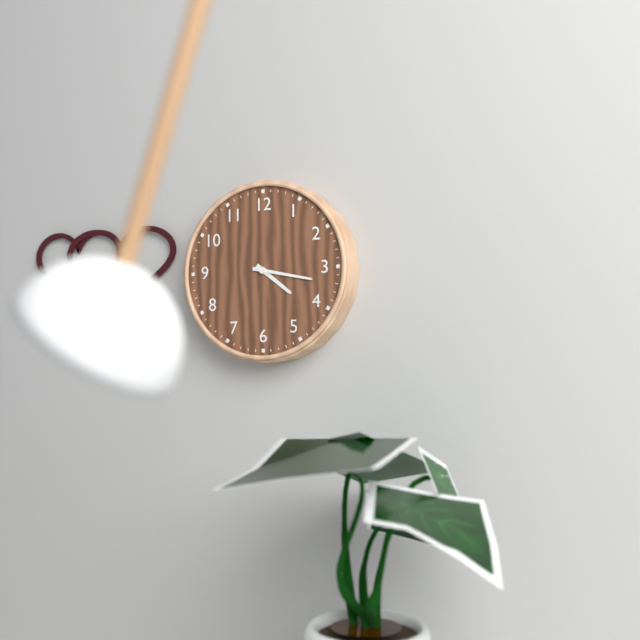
4:17
